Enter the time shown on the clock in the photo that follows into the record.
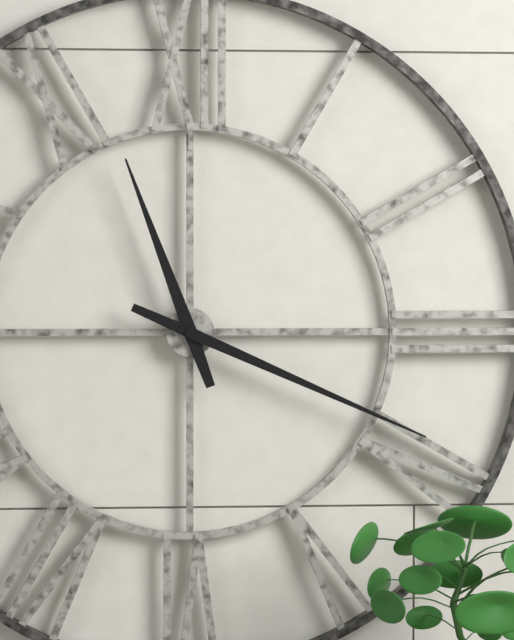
11:19
